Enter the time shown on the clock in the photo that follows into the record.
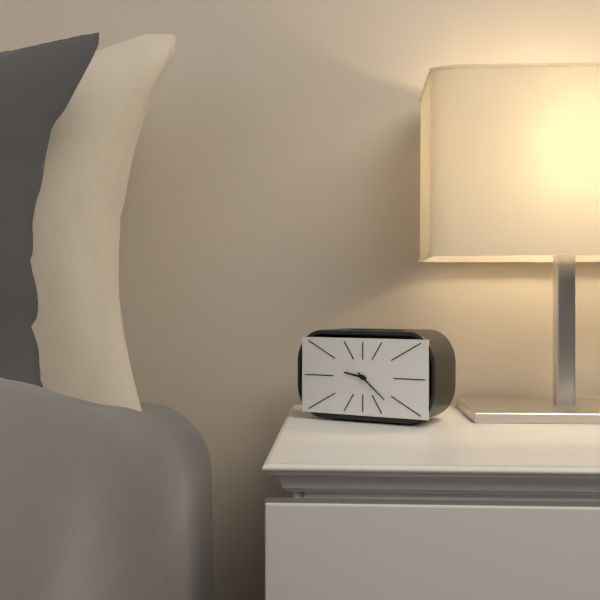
9:22
